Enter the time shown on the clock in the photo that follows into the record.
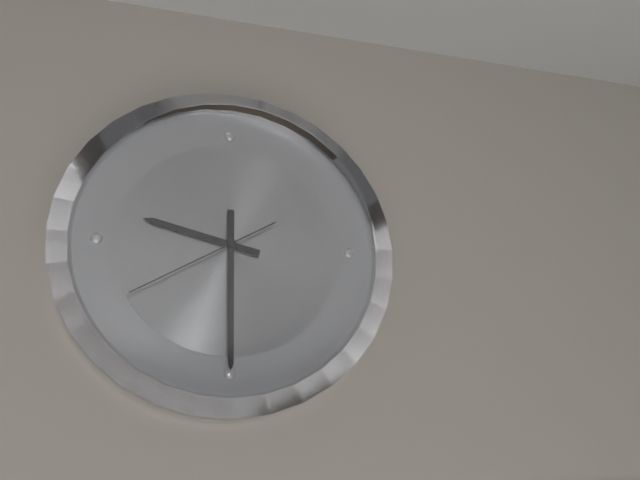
9:30:40
